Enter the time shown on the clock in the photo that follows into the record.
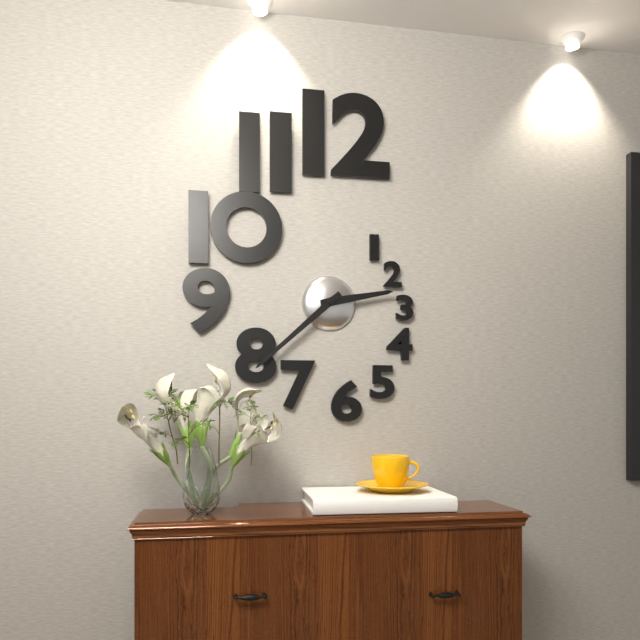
2:38
